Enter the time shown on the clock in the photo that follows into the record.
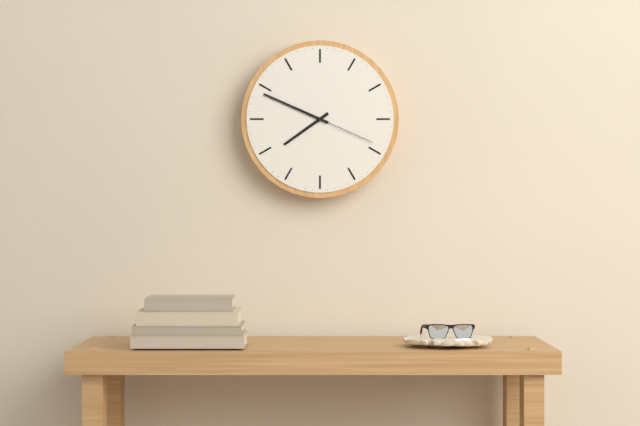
7:49:19
